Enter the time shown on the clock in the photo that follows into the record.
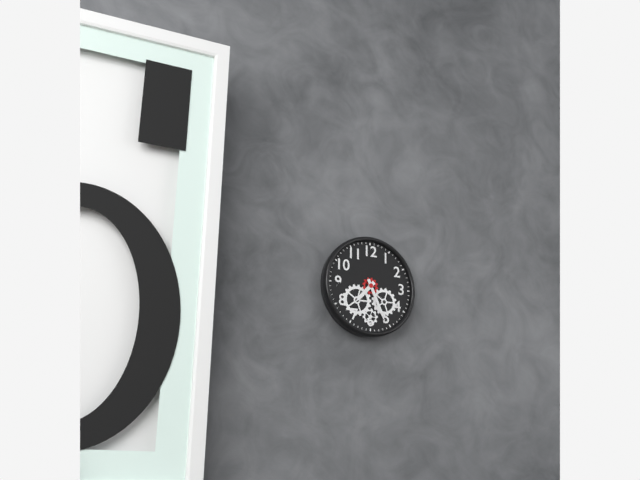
7:26
